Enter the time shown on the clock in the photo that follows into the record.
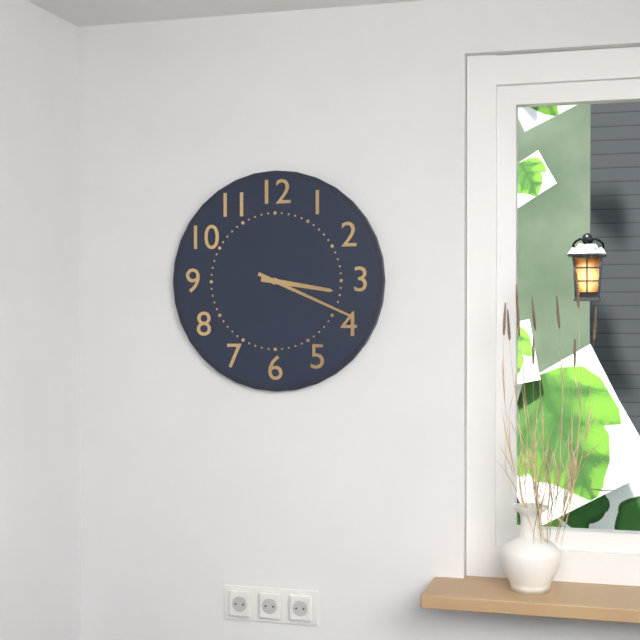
3:19
